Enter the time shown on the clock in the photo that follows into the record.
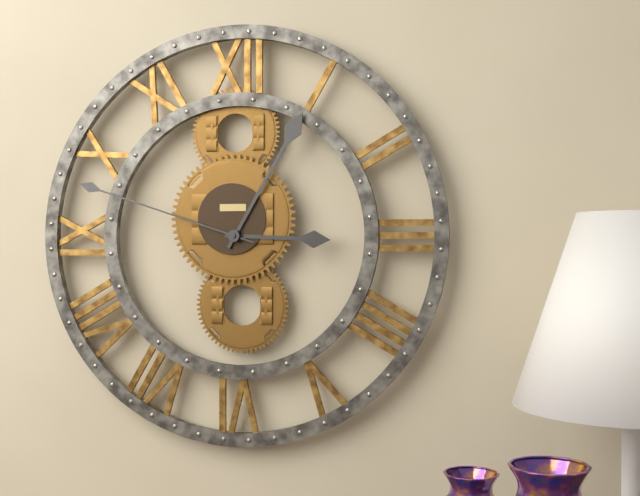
3:05:48
